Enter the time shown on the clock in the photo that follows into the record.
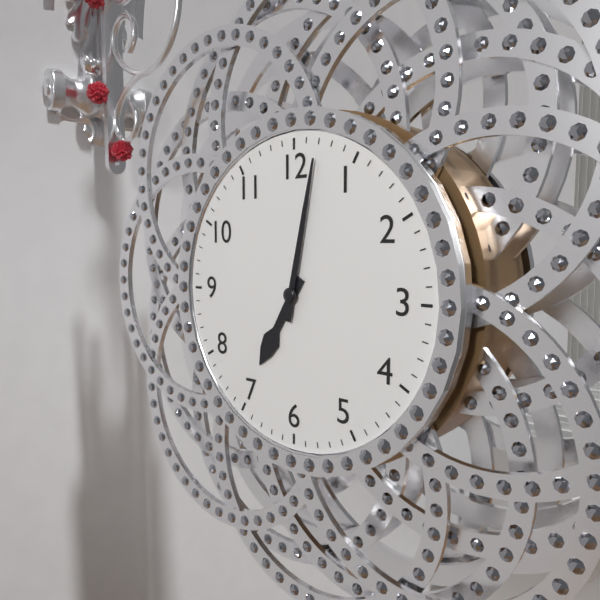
7:02
